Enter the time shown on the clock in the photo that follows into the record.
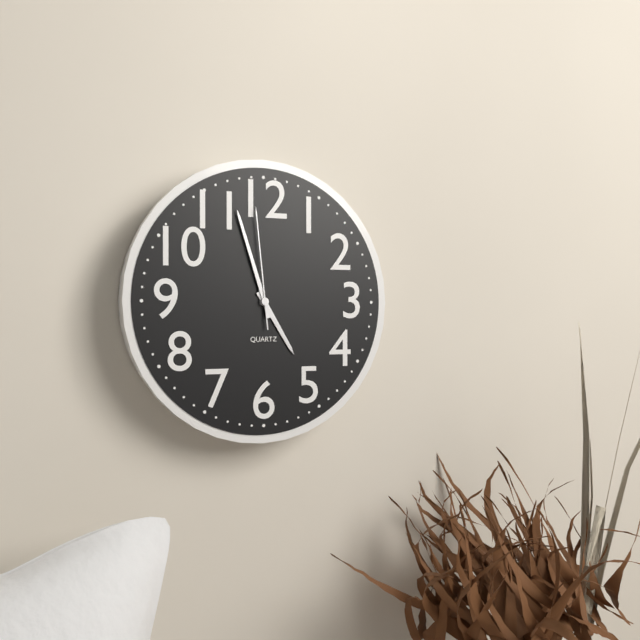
4:57:59
